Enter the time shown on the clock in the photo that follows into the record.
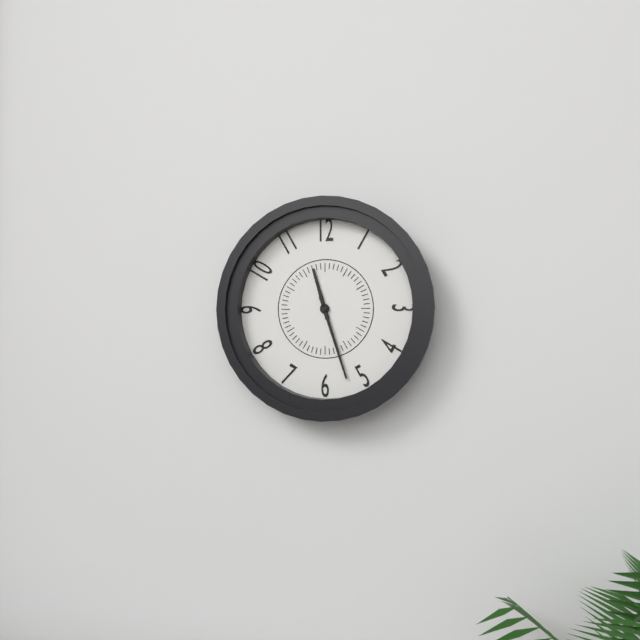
11:27
